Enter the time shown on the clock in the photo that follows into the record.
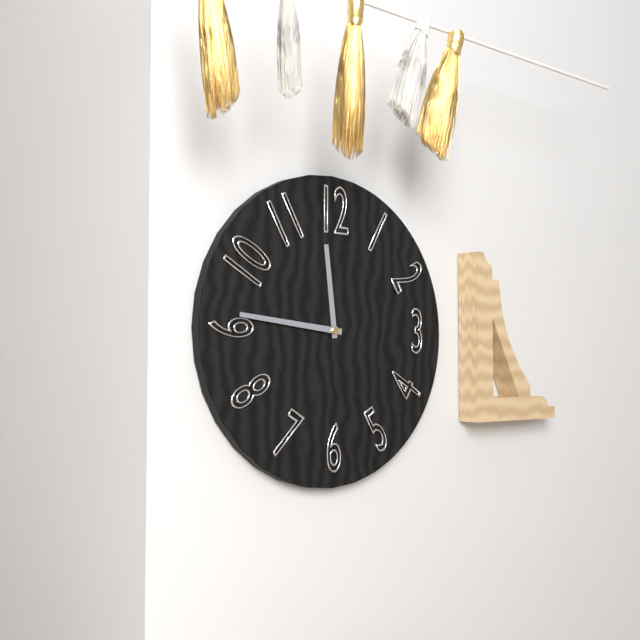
11:46
